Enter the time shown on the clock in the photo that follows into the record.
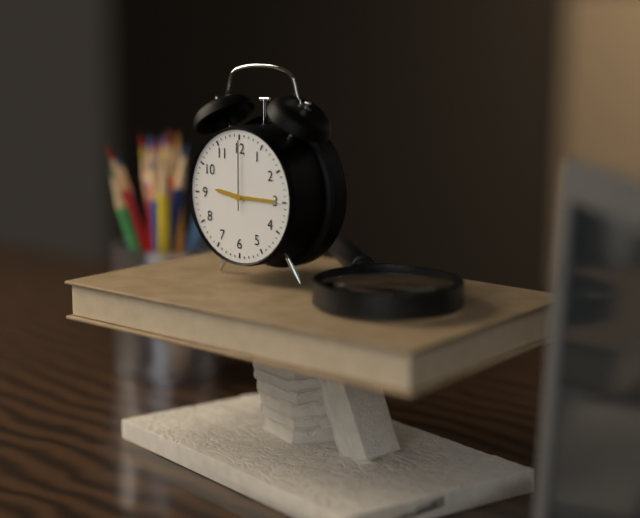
9:15:00
